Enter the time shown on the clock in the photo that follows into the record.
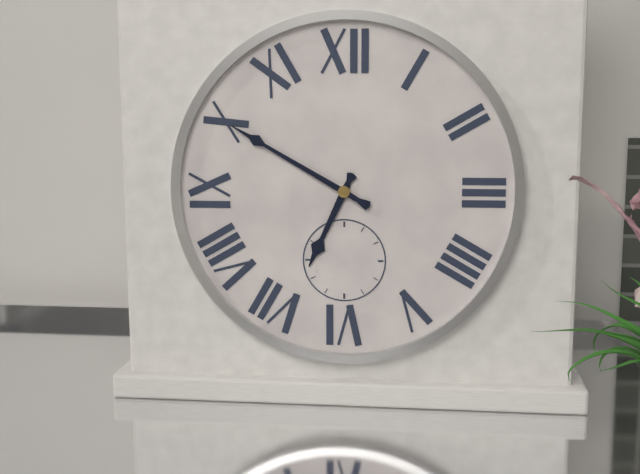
6:50
